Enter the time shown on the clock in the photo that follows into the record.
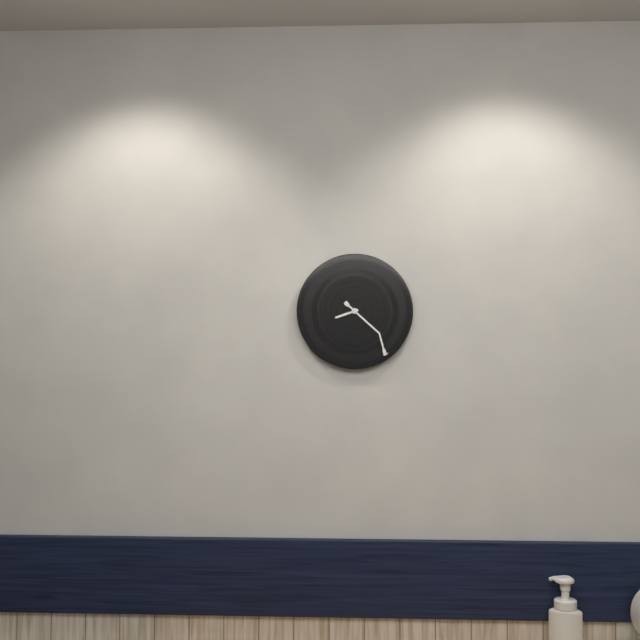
8:22
